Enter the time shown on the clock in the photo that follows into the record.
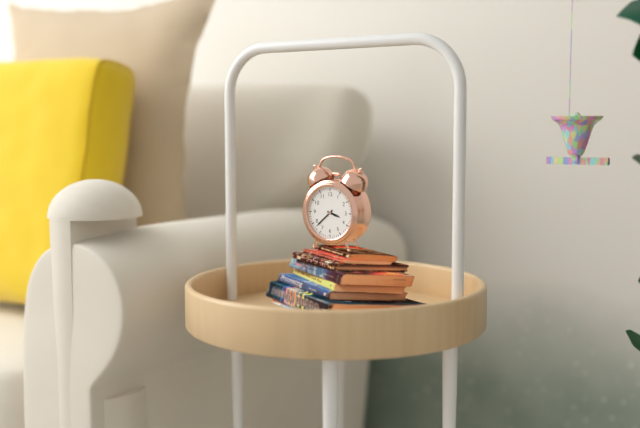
3:38
